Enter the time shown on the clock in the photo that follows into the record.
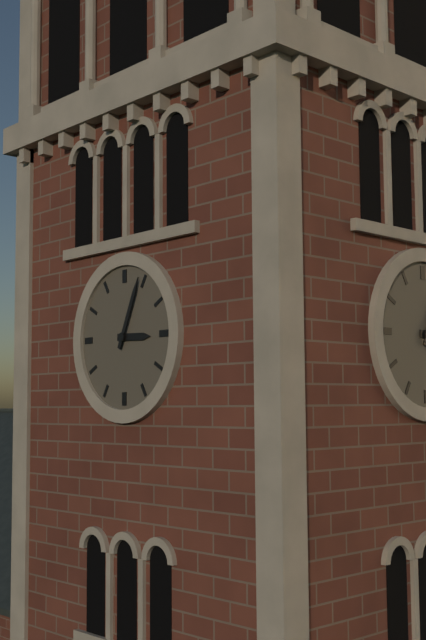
3:04
